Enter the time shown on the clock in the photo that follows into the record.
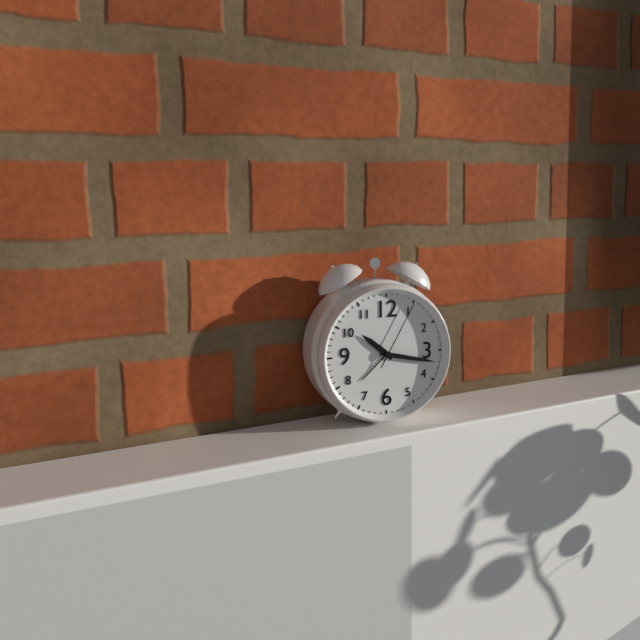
10:17:05
